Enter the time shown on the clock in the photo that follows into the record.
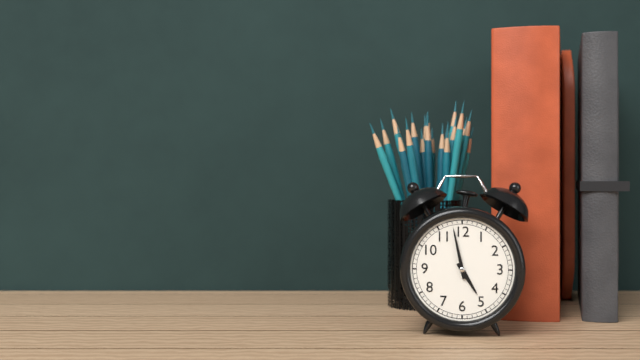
4:58
